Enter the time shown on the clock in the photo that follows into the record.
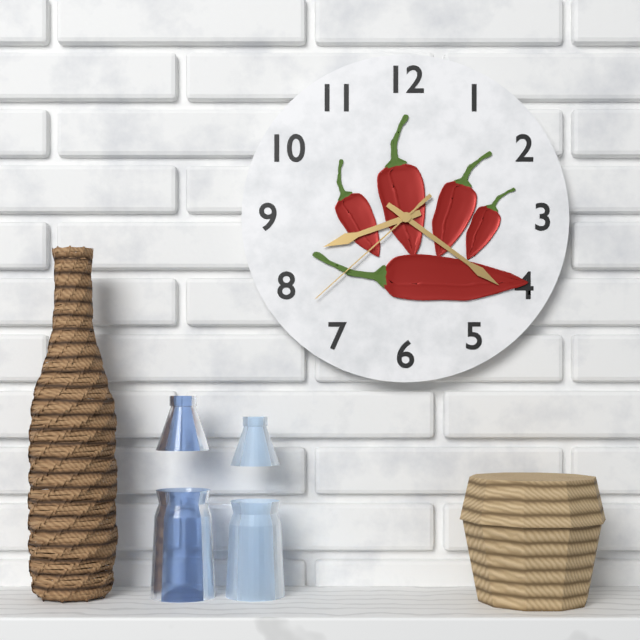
8:21:38
